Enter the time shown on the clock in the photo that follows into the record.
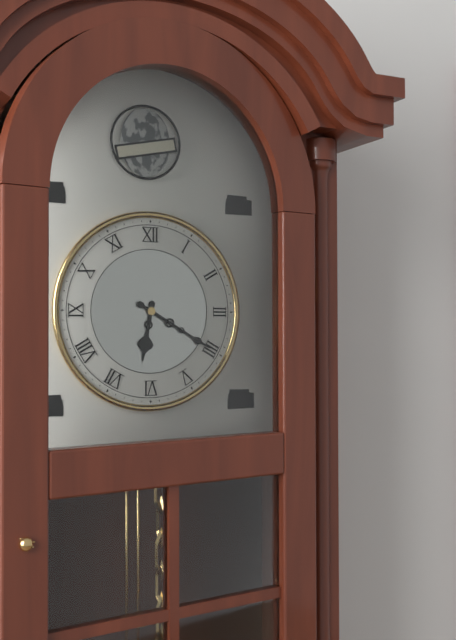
6:20
